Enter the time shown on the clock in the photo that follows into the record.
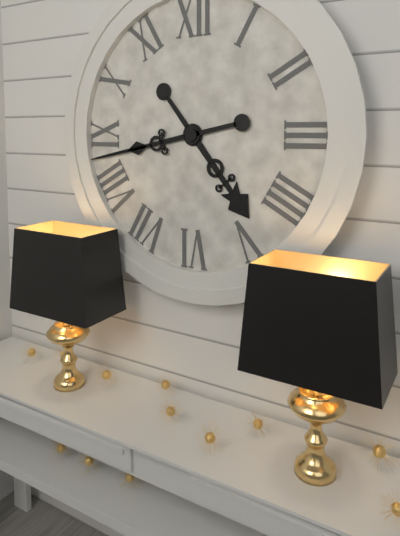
4:43
